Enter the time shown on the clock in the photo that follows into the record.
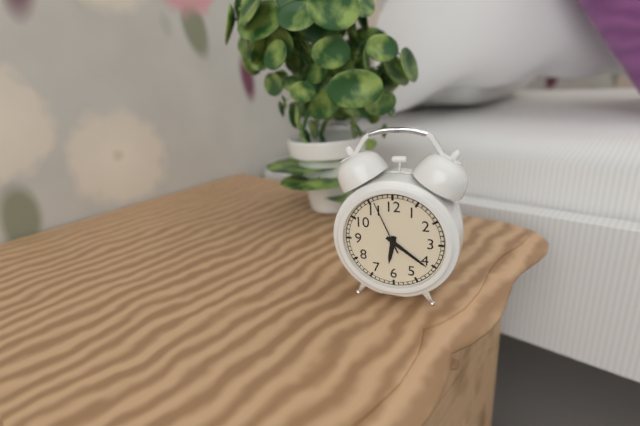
6:21:56
